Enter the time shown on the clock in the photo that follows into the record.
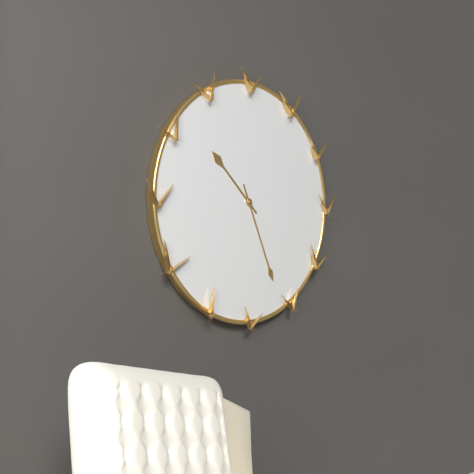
10:26
